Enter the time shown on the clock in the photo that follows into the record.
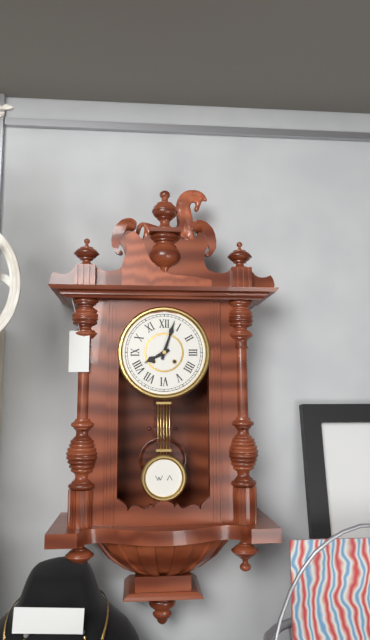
8:03
